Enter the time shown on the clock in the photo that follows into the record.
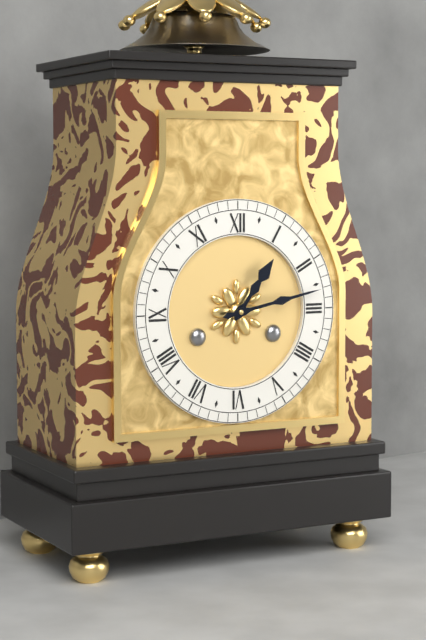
1:13
